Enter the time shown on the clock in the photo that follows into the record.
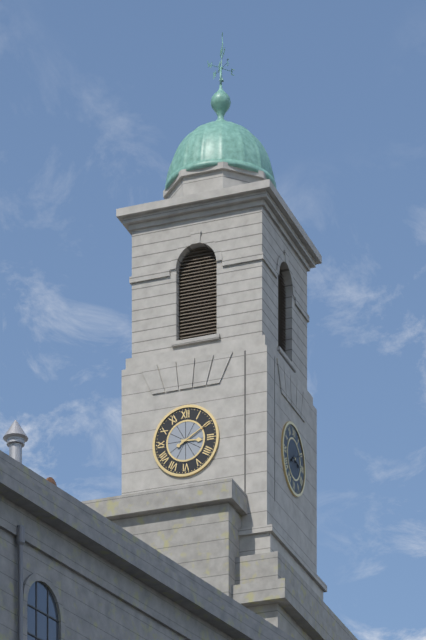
3:10
